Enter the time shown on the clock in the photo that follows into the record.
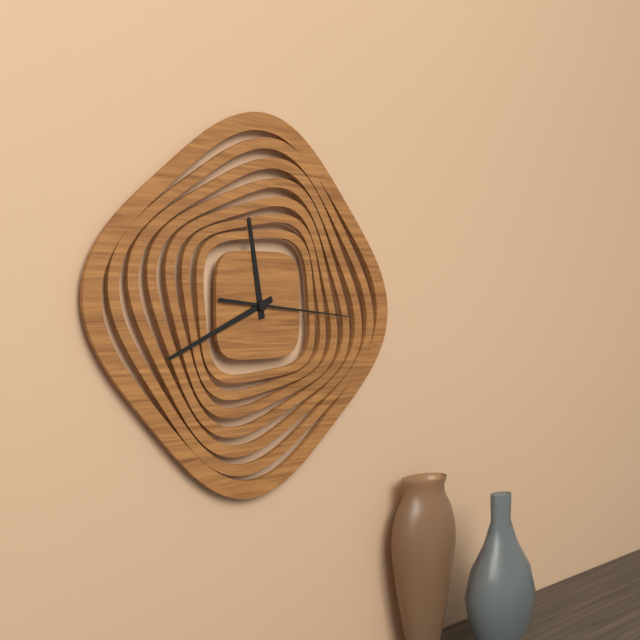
11:41:16
